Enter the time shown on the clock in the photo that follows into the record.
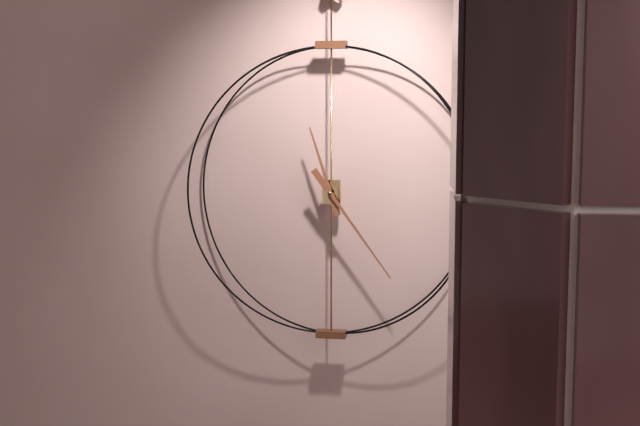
11:24
